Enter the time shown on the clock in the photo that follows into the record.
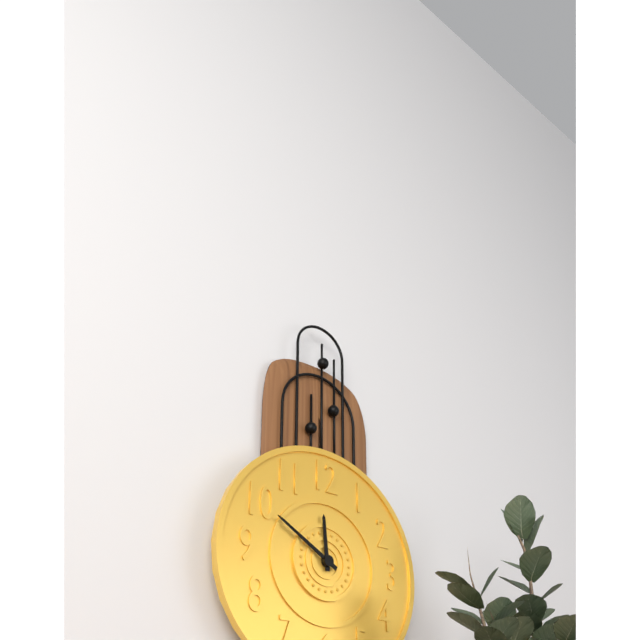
11:50
